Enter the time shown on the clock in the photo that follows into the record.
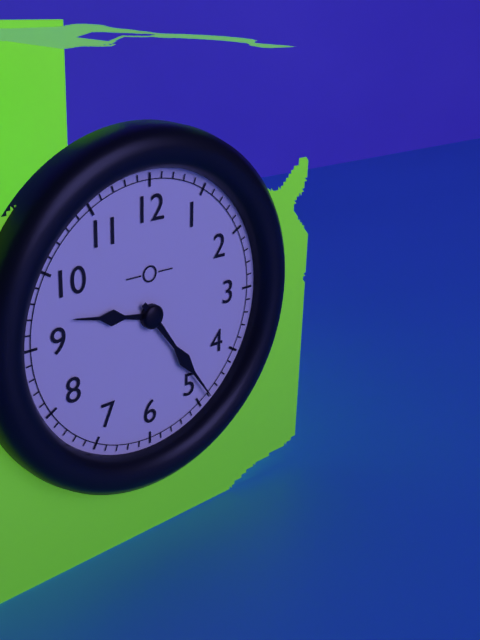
9:24
